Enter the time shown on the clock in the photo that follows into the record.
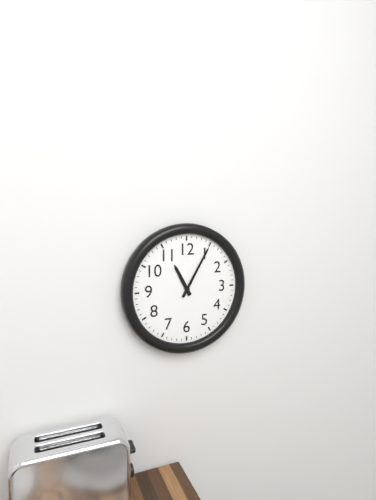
11:05
